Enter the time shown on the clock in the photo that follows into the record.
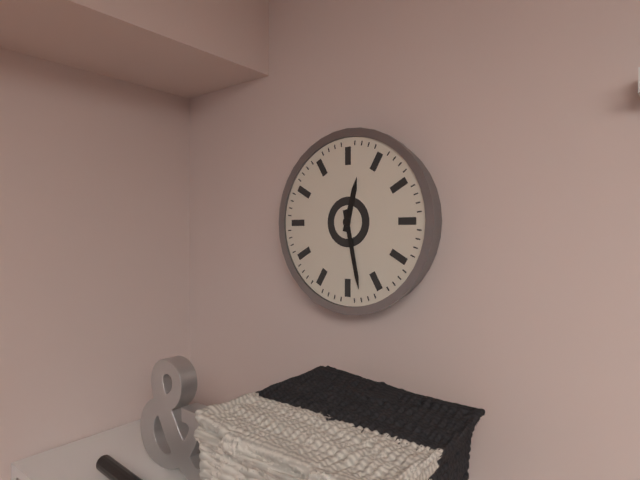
12:28
